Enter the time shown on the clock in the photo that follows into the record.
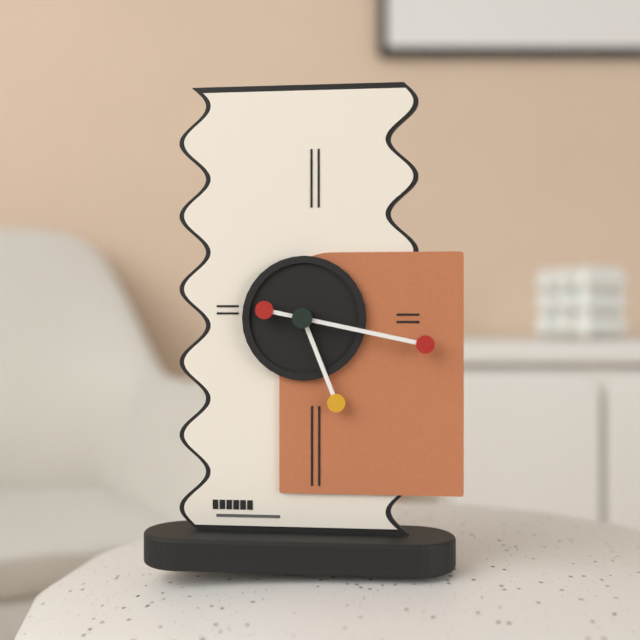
5:17
